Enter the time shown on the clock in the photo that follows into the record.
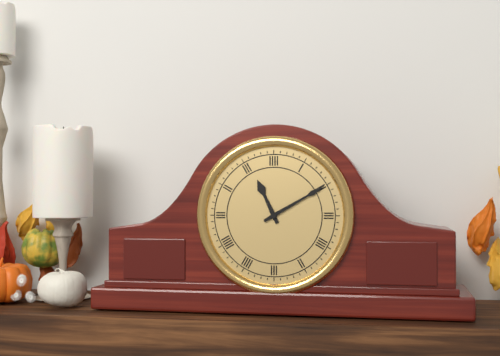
11:10
